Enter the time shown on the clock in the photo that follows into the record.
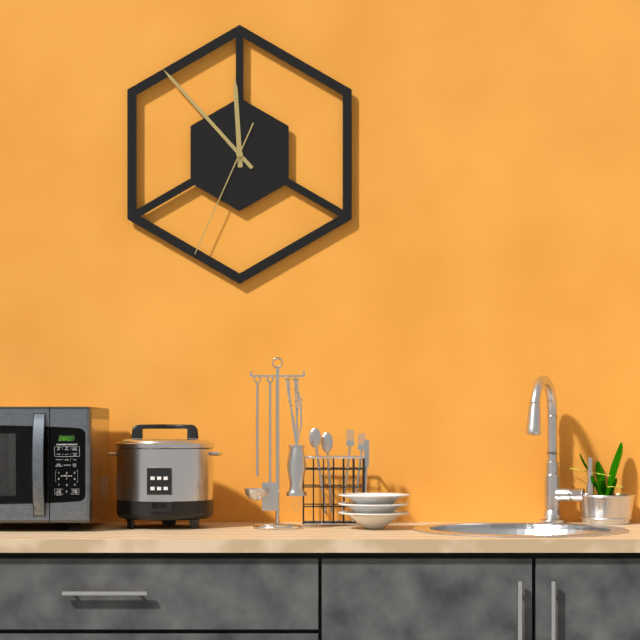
11:53:34
